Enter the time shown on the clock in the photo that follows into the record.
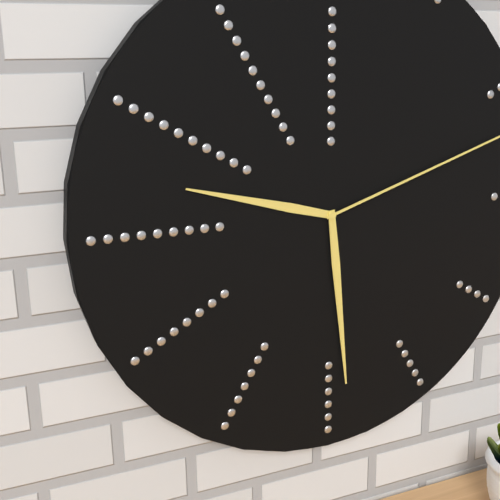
9:29
